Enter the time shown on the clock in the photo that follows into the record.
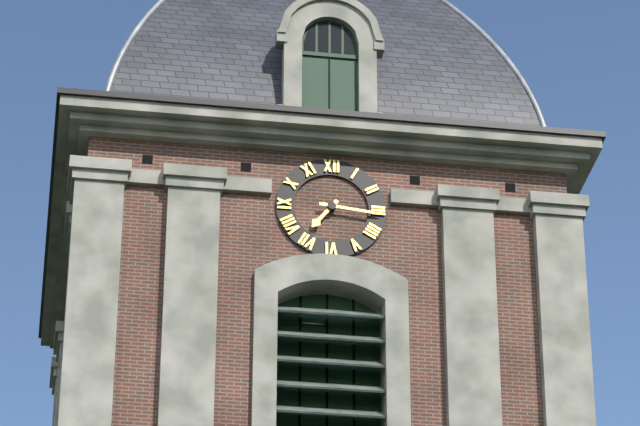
7:16
